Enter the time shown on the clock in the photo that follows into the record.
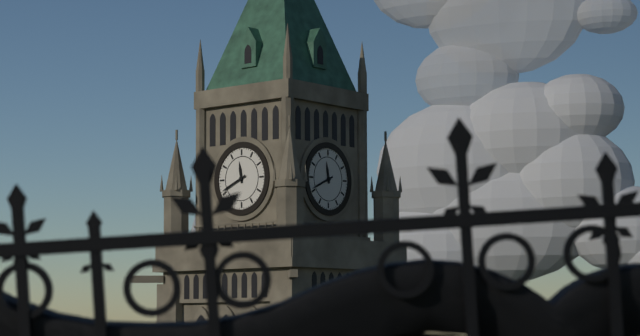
11:41
